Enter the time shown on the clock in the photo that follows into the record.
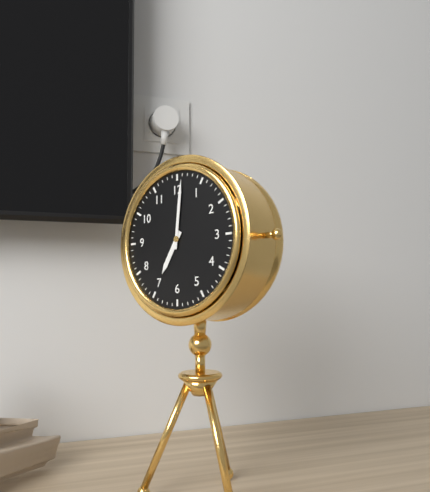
7:01
